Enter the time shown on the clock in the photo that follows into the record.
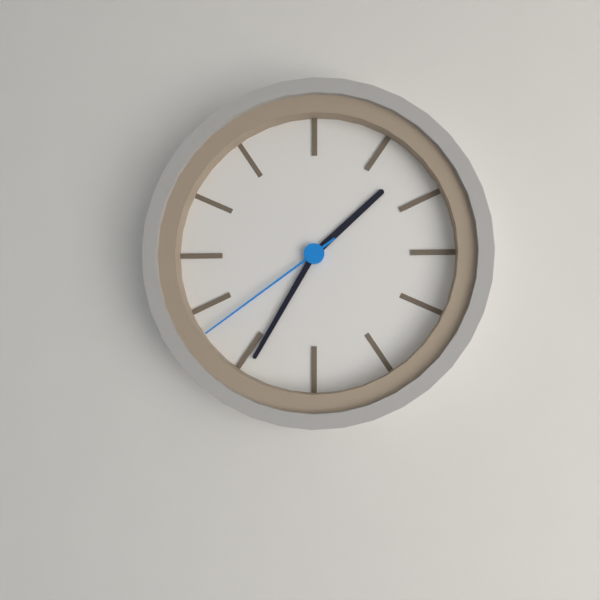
1:35:39
